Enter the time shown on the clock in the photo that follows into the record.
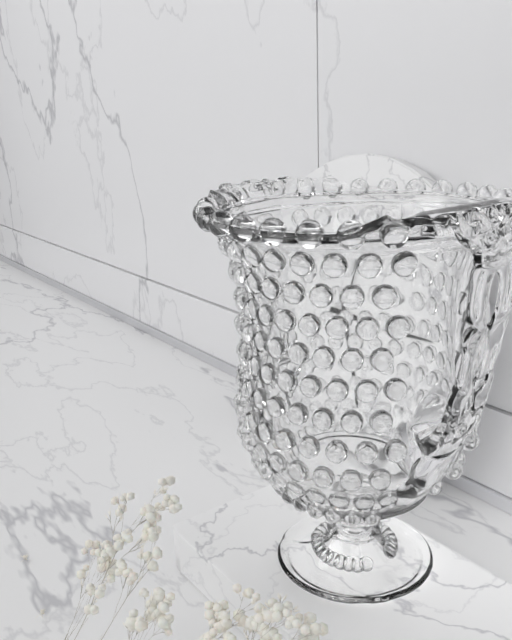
5:15:02
